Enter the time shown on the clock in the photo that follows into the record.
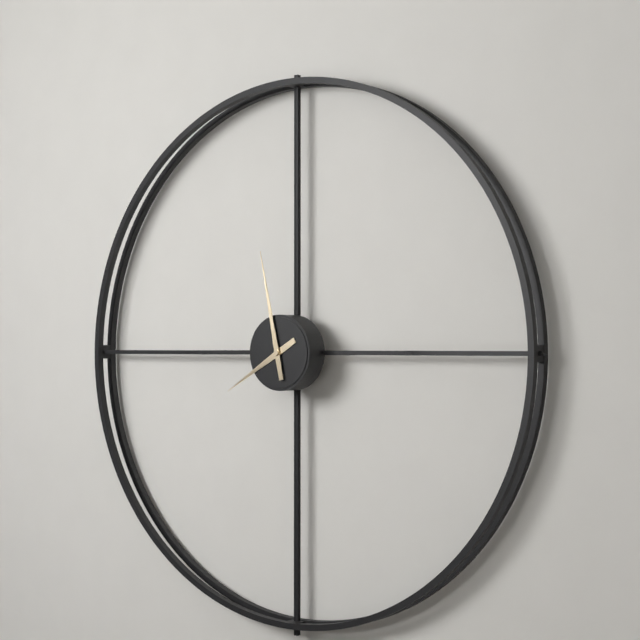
7:58
